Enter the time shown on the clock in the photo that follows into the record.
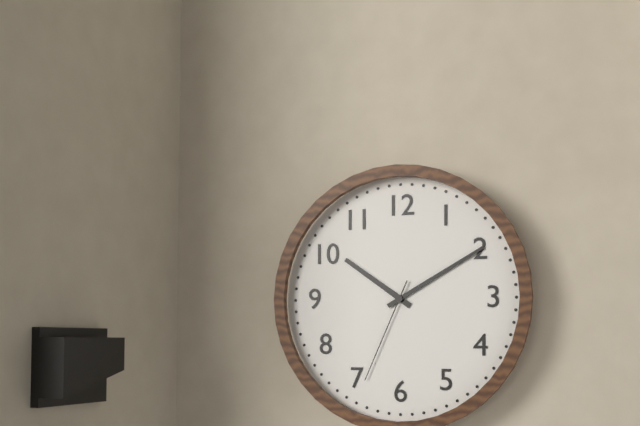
10:10:34
